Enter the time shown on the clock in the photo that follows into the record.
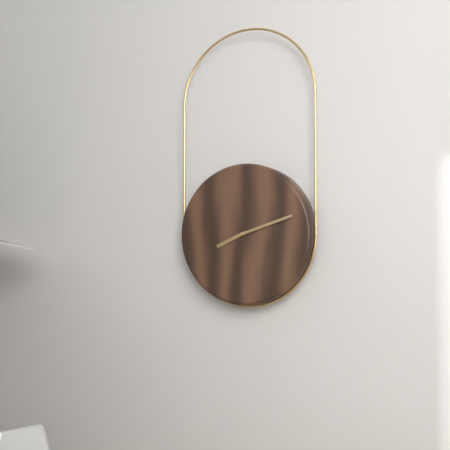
8:12
